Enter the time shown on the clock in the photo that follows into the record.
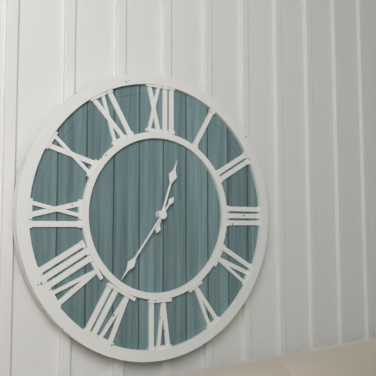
12:36
